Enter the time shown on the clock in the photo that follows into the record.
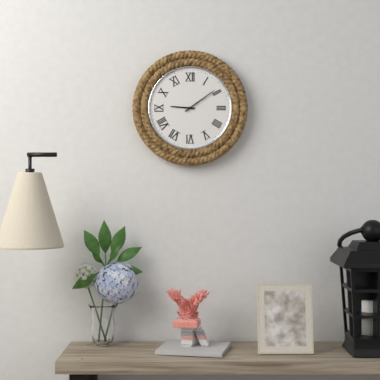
9:09
